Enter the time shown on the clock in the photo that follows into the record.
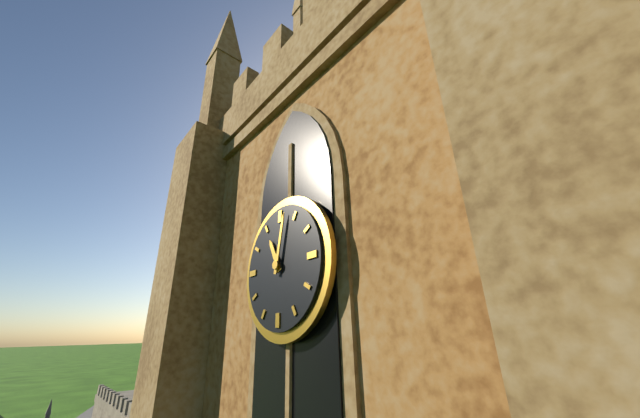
11:02
